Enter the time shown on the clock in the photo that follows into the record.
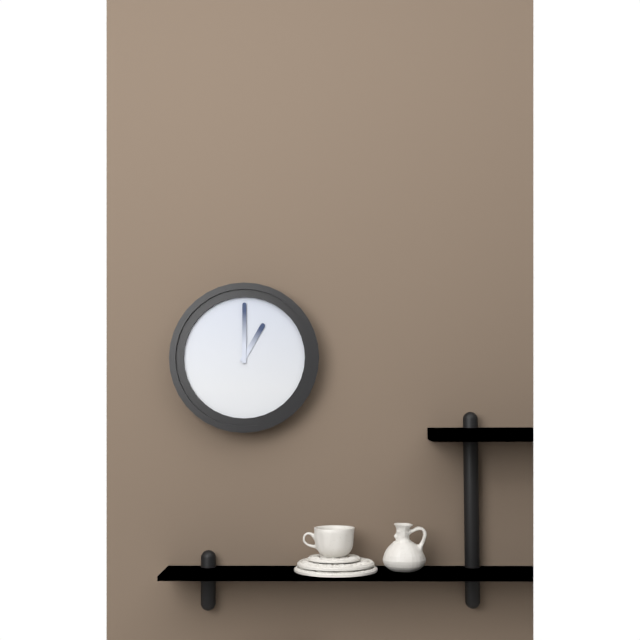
1:00
